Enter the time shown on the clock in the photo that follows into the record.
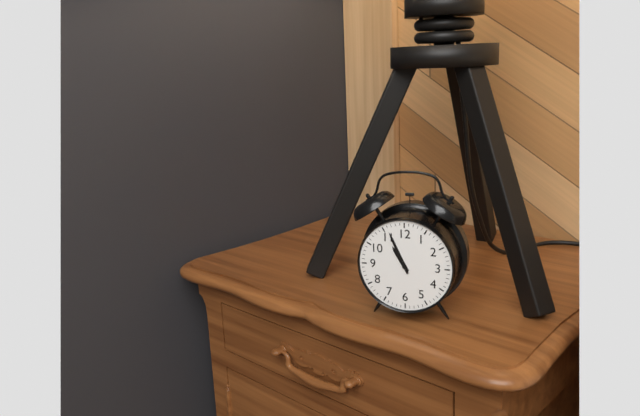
10:56
